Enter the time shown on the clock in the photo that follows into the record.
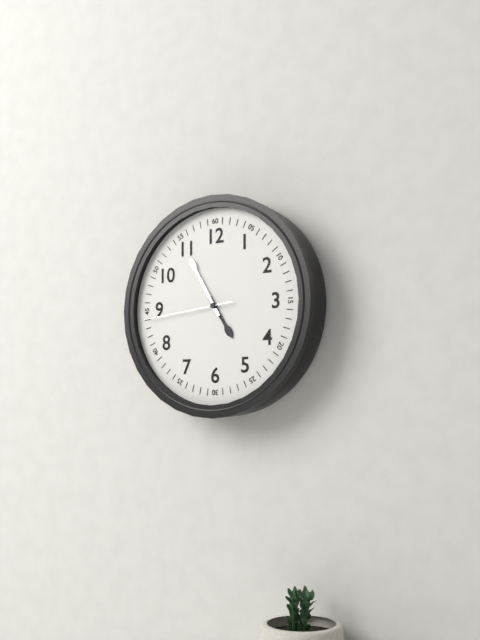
4:55:44
